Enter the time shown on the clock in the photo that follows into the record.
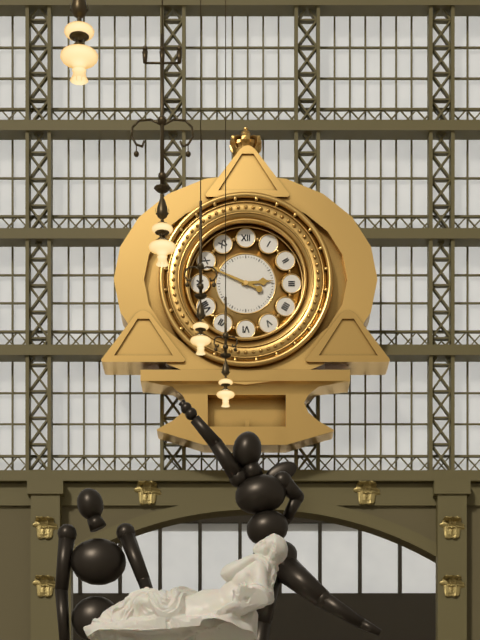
2:49
